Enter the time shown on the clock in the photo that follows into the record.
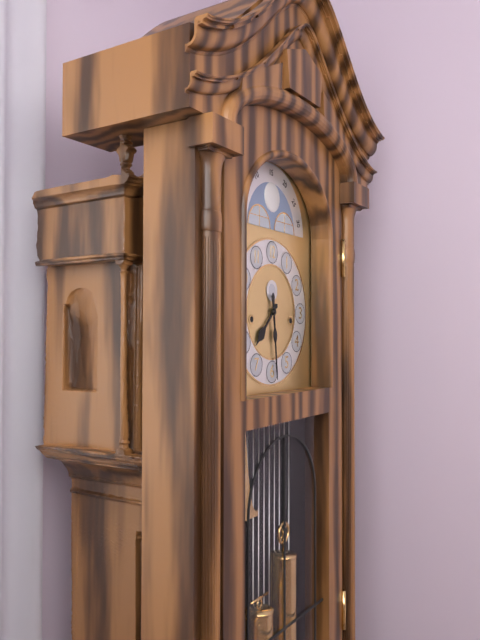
7:29
